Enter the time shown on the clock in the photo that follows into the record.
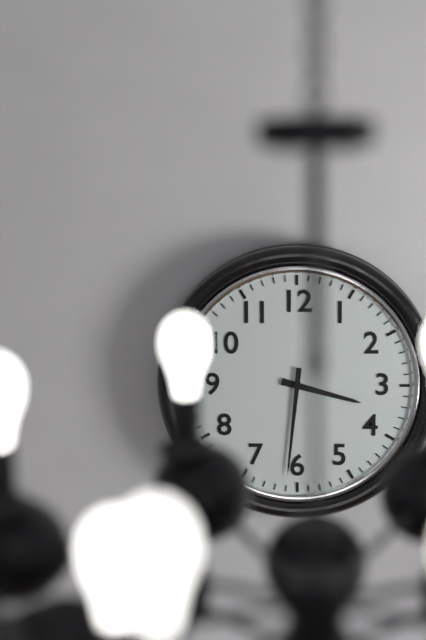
3:31
